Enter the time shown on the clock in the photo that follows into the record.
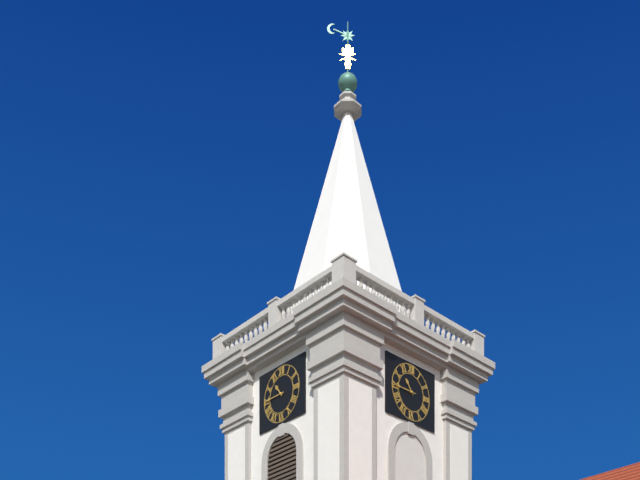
10:45
